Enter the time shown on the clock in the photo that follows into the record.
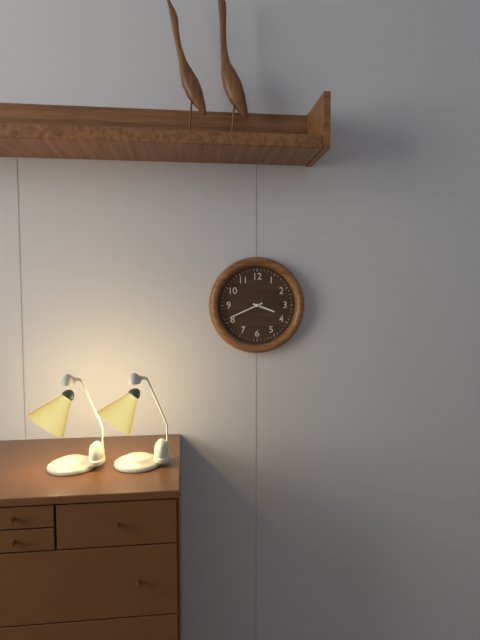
3:41
